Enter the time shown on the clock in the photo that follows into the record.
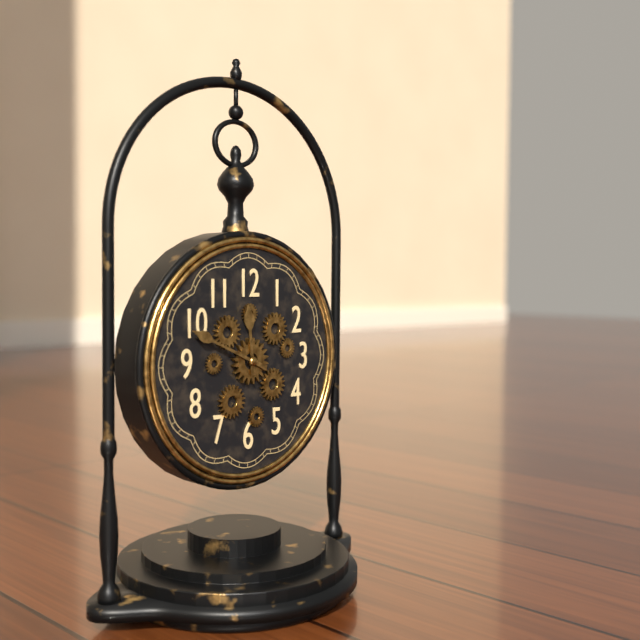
11:49
